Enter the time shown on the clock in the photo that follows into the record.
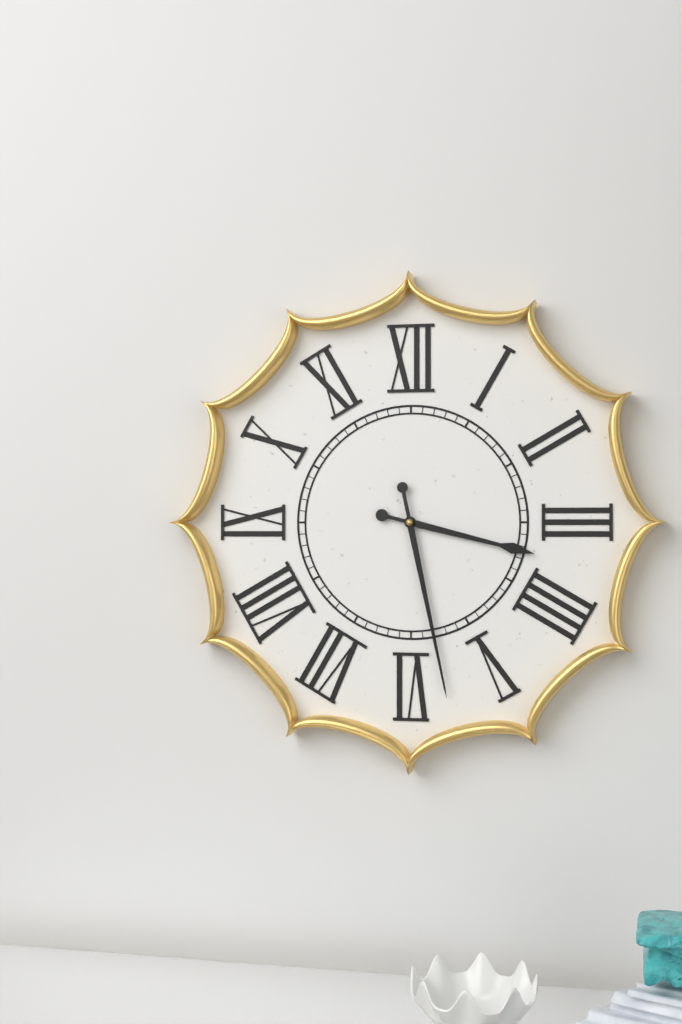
3:28
